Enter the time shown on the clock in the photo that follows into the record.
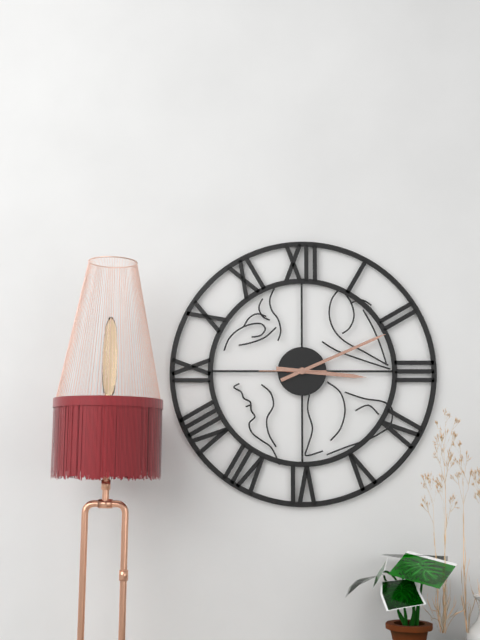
3:11:45
